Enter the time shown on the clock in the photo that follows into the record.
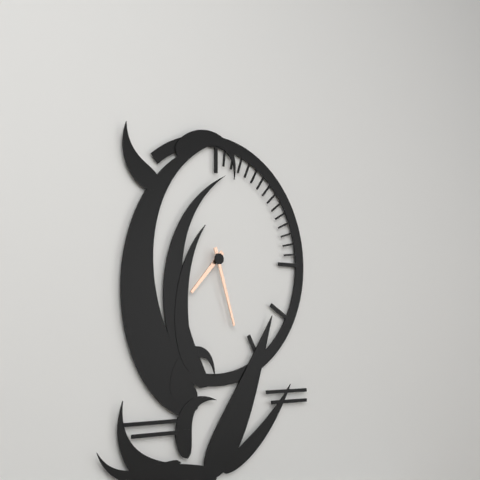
7:27
